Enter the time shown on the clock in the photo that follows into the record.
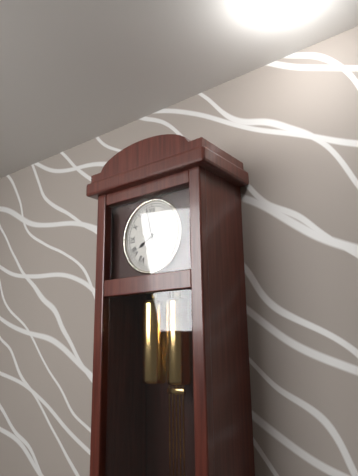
7:58
